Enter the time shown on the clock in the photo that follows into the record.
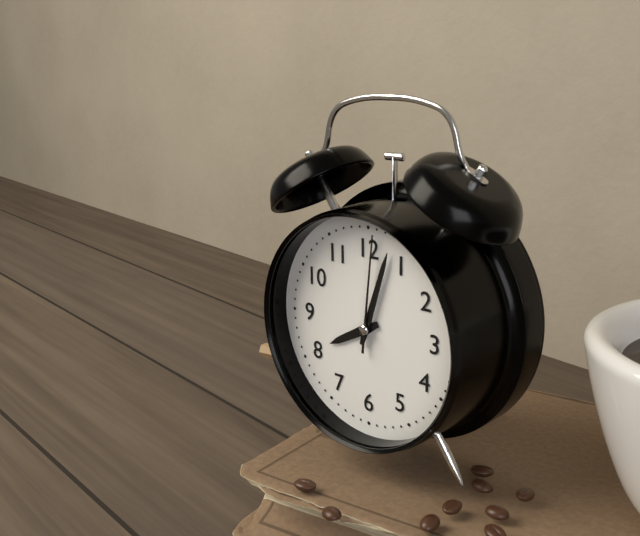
8:03:01
